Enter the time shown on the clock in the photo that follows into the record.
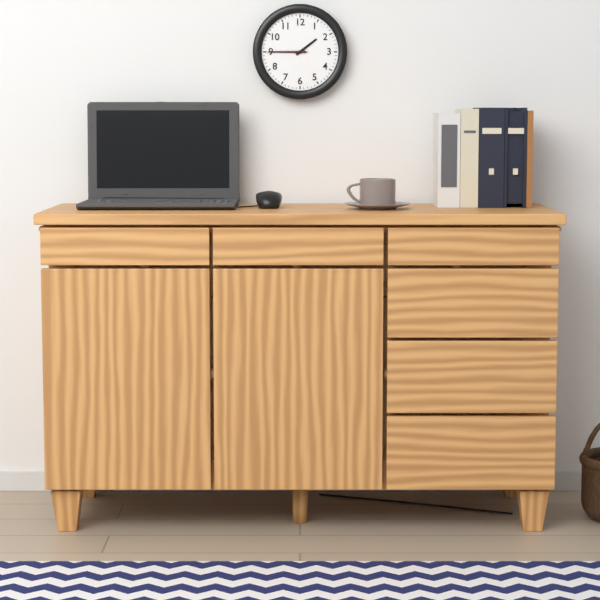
1:45
